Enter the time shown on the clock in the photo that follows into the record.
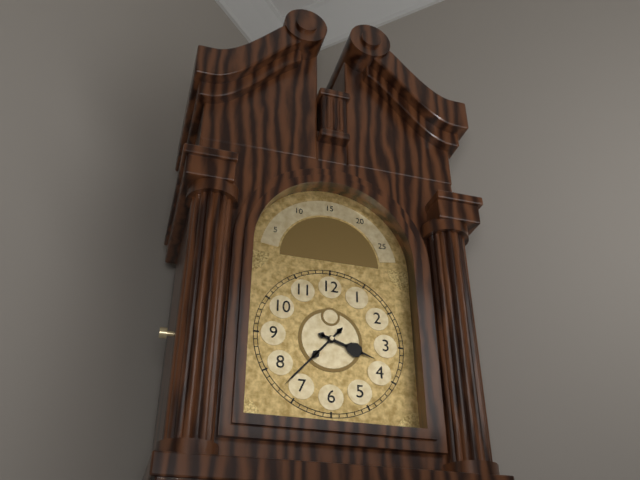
3:37
